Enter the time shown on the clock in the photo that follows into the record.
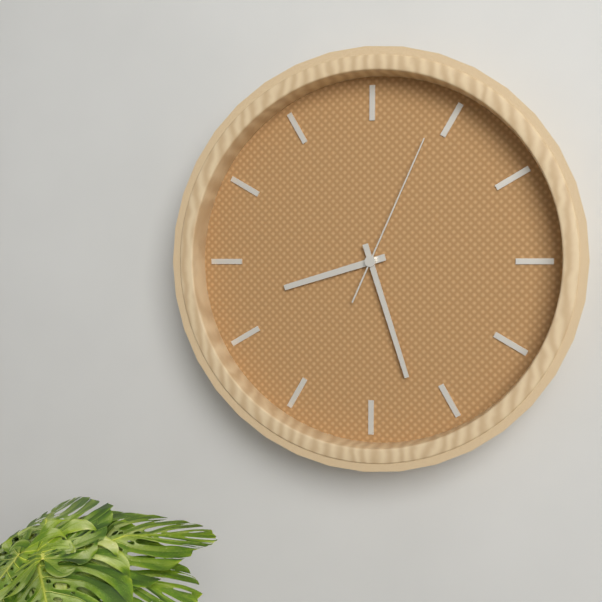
8:27:04
